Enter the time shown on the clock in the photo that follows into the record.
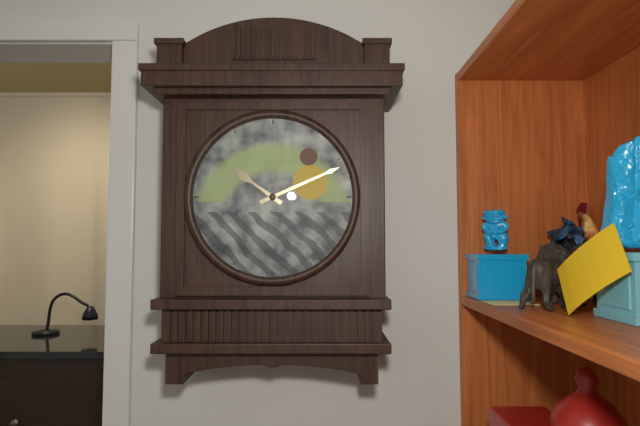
10:11
